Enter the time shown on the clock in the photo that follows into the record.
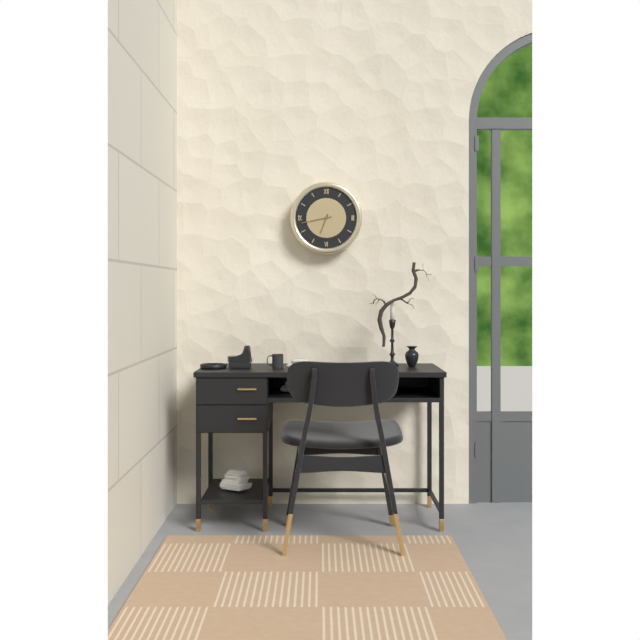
6:43
